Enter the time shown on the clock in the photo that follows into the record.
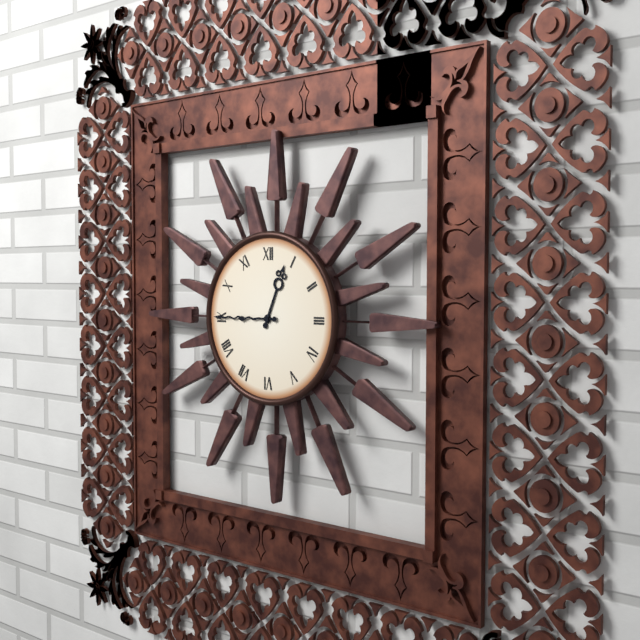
12:45
